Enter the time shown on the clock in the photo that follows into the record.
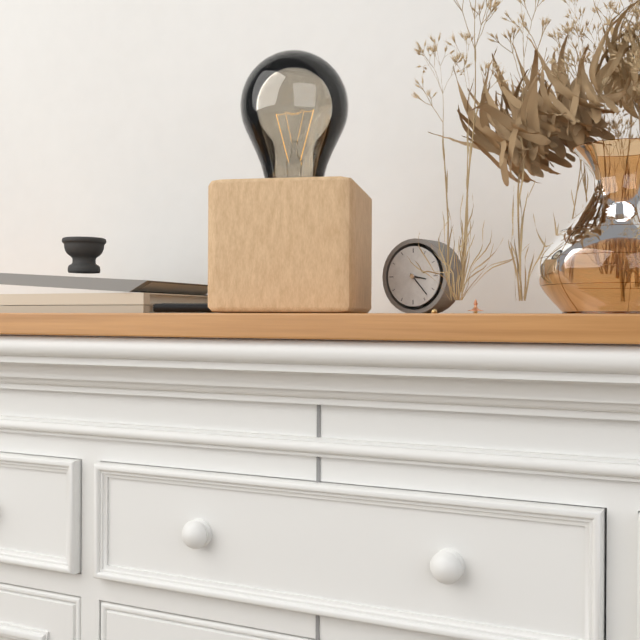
3:23
